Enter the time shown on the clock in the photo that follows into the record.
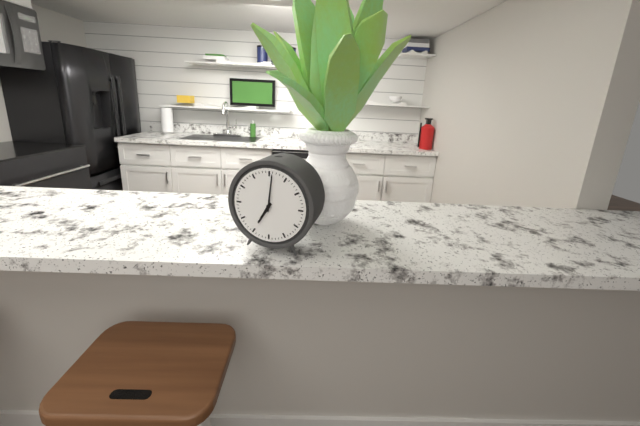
7:01
